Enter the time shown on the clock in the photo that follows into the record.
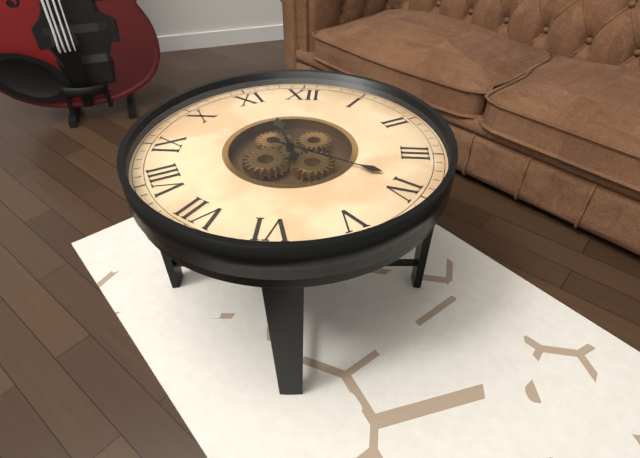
11:19
